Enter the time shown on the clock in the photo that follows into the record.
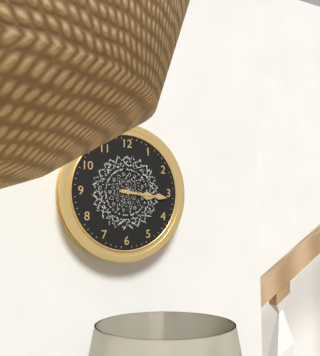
3:16
